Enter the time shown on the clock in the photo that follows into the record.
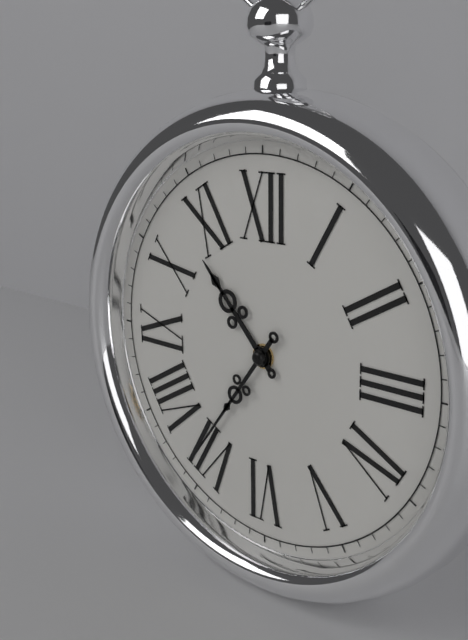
10:36
